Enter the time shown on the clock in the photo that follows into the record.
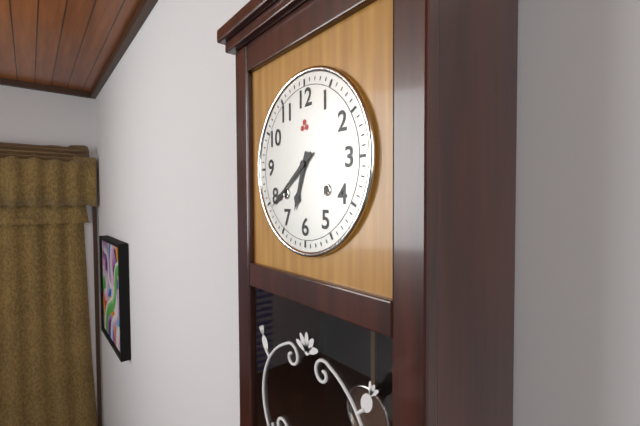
6:39
